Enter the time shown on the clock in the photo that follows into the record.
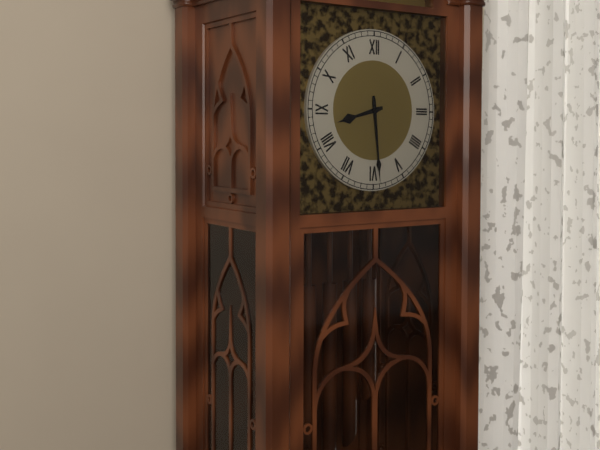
8:29
